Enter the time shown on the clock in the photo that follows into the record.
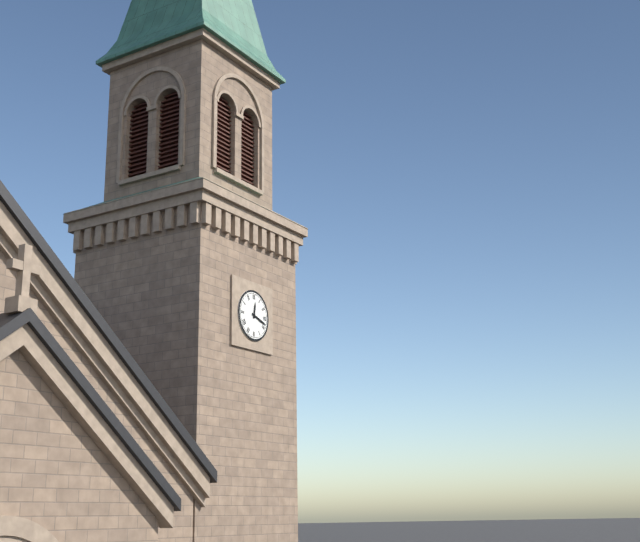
12:18
